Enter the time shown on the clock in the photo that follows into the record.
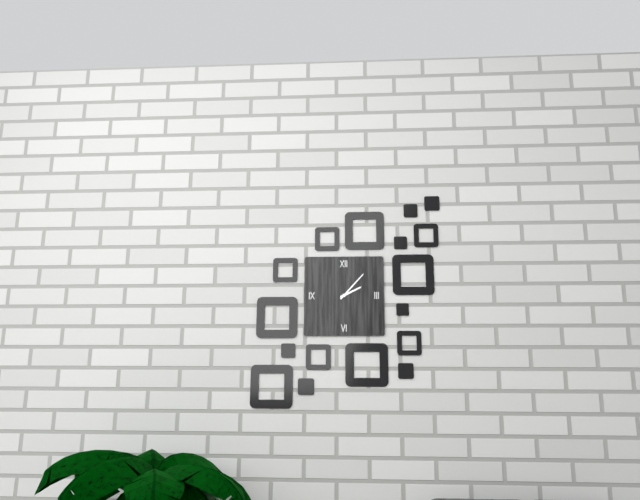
2:07
